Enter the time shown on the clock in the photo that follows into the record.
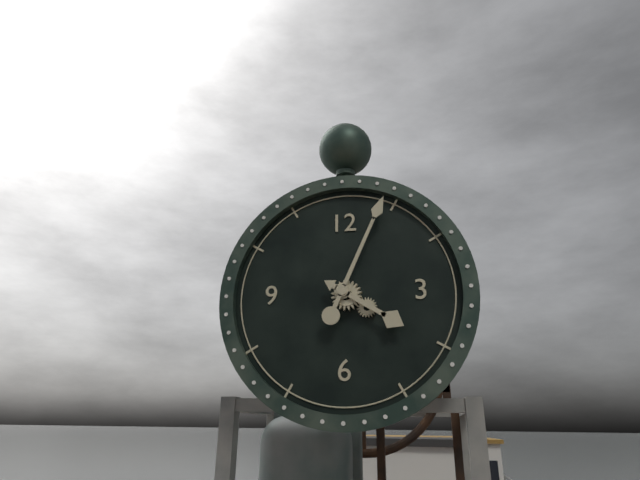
4:04
